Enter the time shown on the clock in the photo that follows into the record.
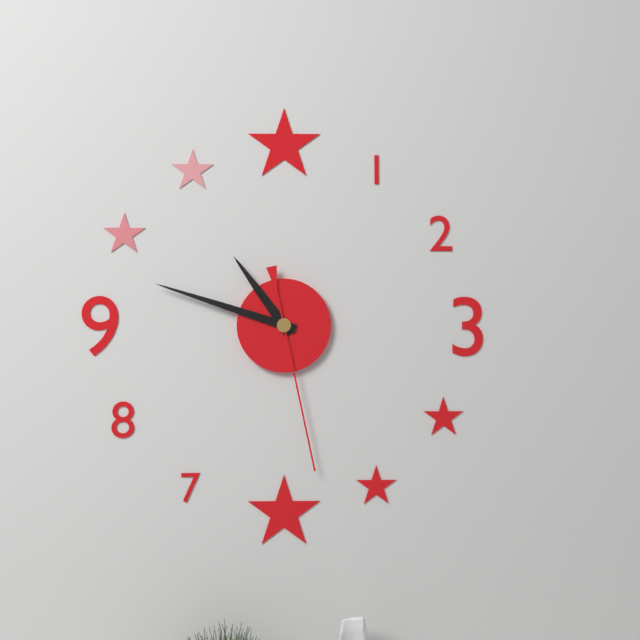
10:48:28
